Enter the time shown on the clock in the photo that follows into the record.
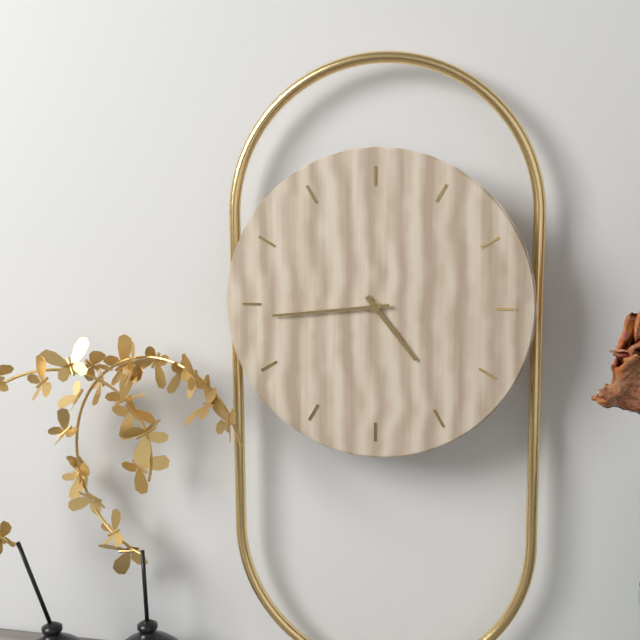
4:44
